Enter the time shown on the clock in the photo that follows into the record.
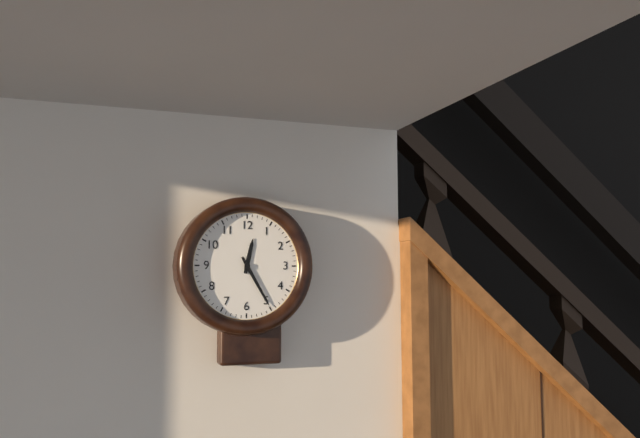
12:25
